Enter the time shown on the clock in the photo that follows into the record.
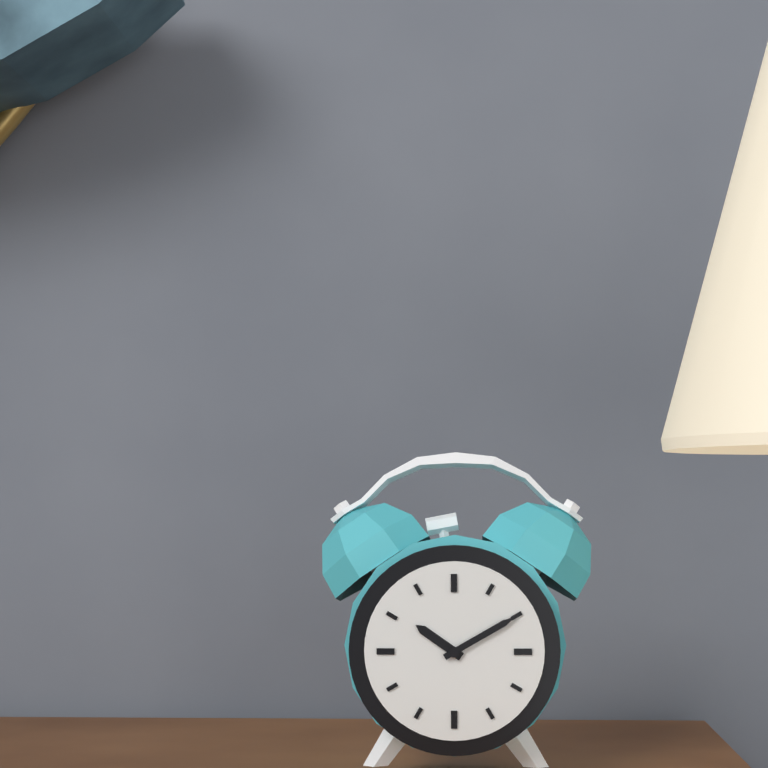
10:10
